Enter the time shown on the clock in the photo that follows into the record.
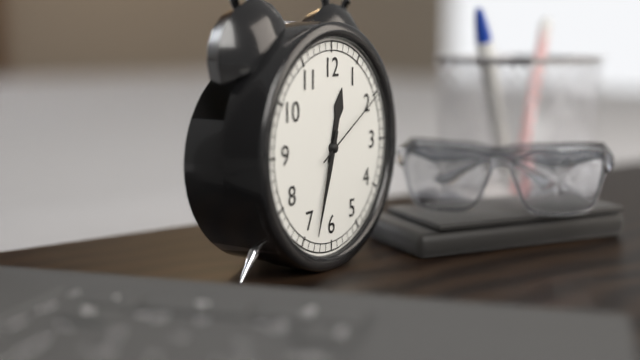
12:33:10
